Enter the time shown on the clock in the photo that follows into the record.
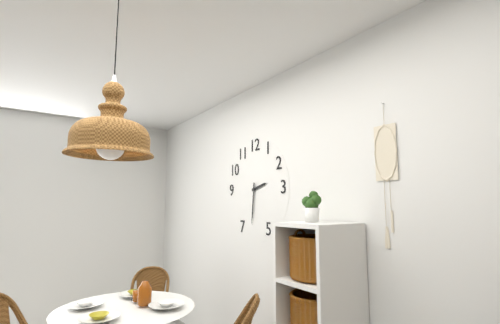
2:31
